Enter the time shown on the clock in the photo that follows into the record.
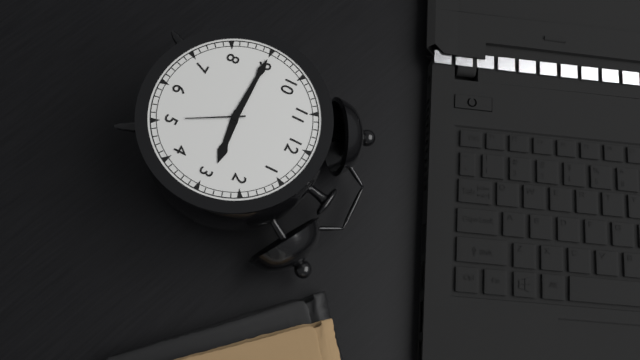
2:45:25
